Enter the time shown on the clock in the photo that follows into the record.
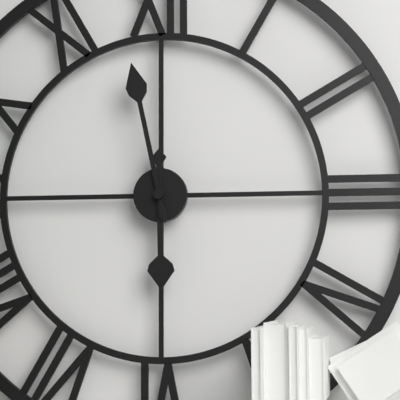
5:58
